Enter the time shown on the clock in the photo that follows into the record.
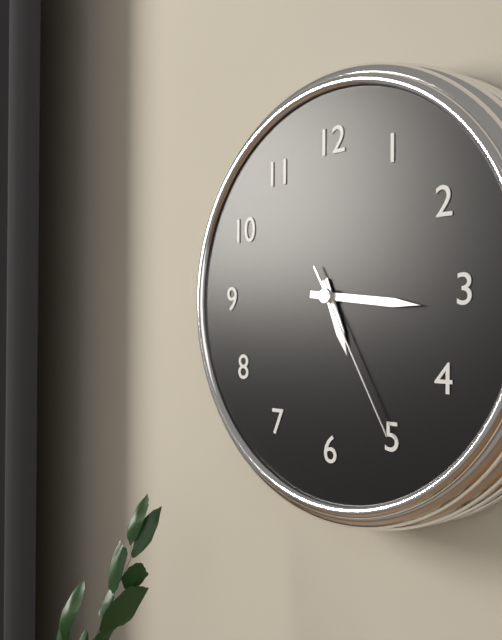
5:16:25
